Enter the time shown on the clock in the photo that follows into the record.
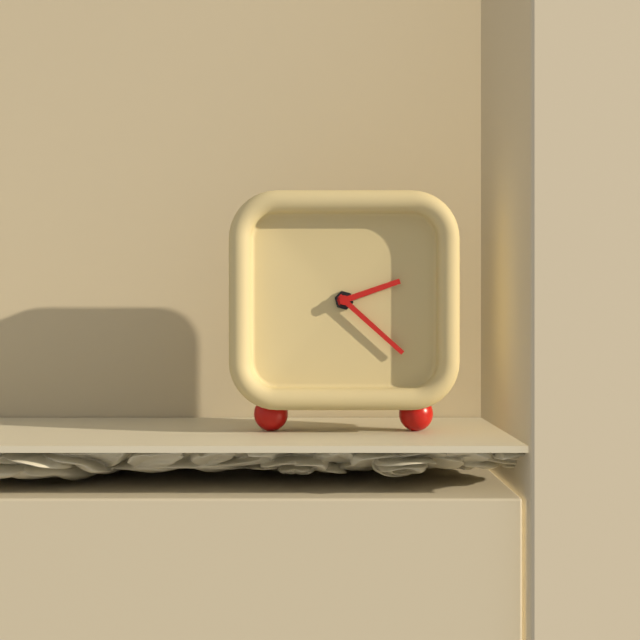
2:22
